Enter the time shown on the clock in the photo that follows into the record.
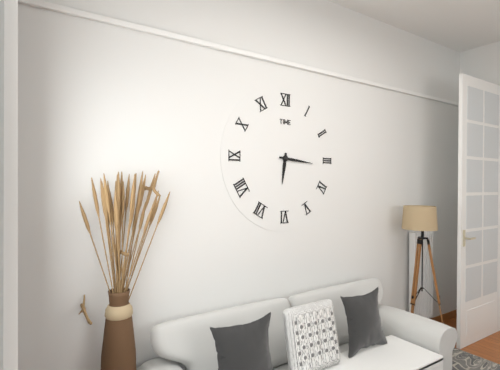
6:16
